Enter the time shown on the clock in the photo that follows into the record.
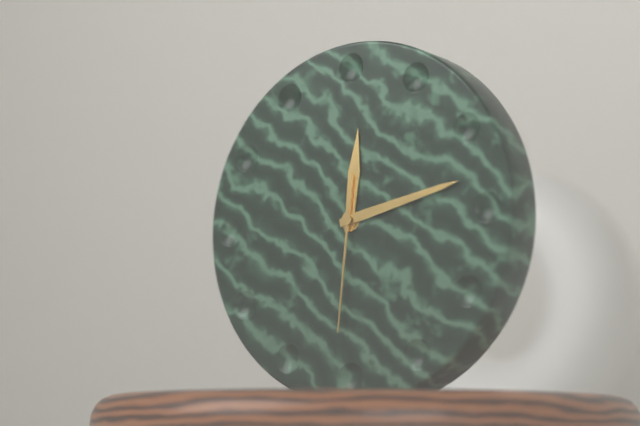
12:13:31
